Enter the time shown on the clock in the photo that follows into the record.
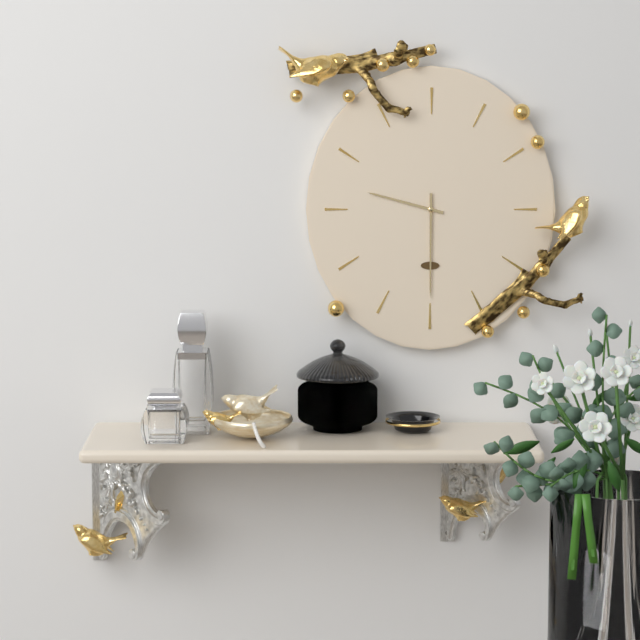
9:30
